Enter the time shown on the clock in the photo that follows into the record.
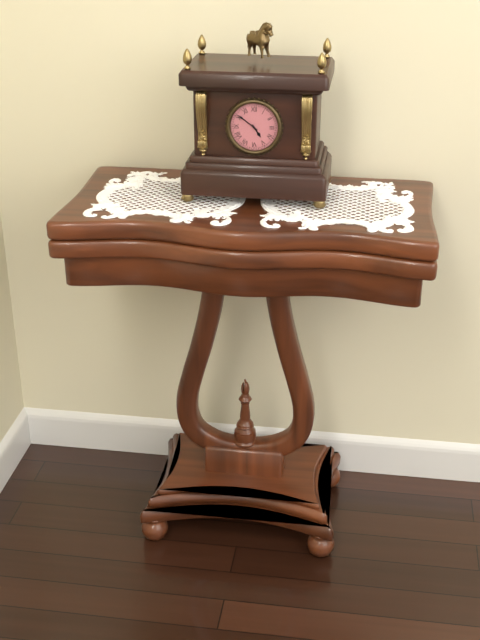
4:51
